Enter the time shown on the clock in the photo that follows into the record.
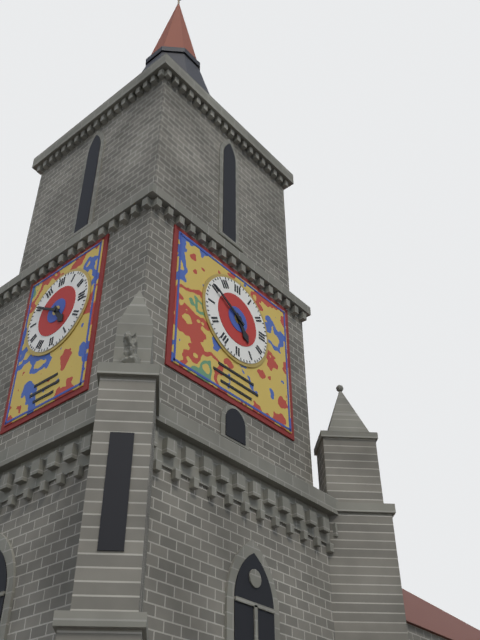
4:50
